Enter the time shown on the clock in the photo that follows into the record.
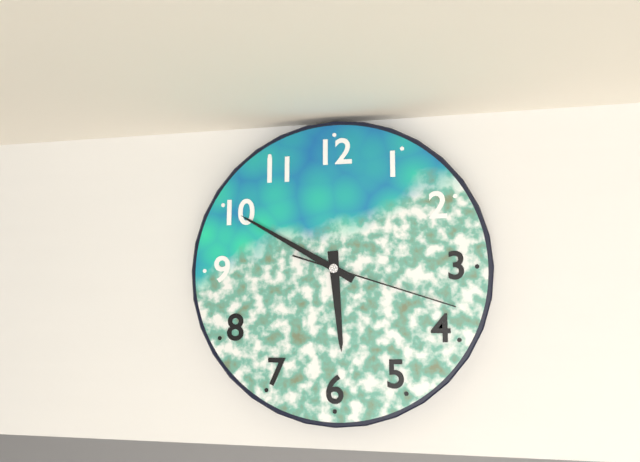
5:50:18
